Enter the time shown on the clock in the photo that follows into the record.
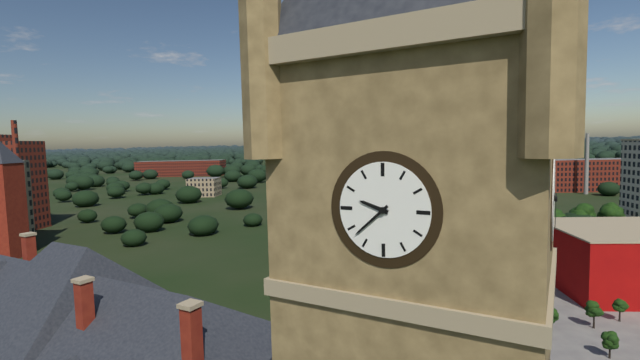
9:38
